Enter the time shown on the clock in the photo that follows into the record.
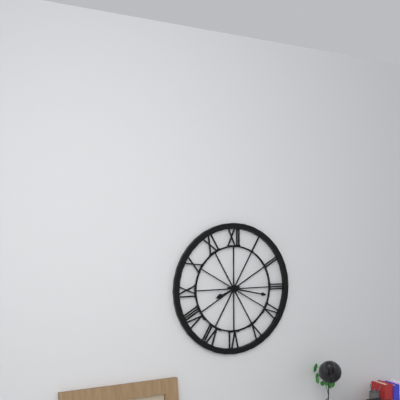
8:17
